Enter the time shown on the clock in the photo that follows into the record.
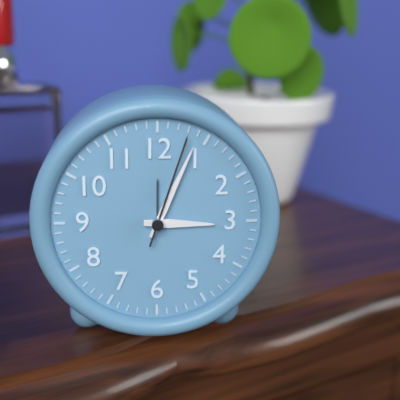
3:04:03
